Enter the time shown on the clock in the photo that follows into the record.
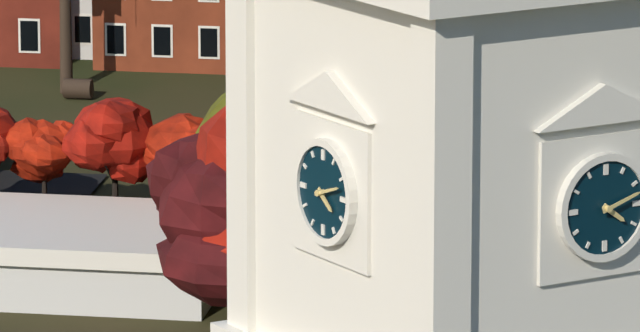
4:12
